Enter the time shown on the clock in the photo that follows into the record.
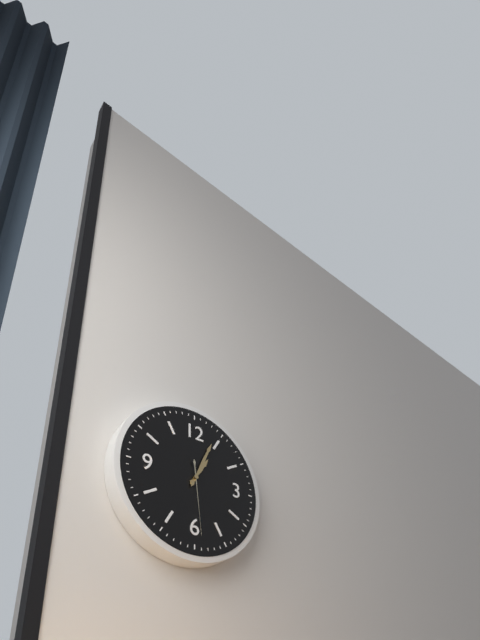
1:04:29
